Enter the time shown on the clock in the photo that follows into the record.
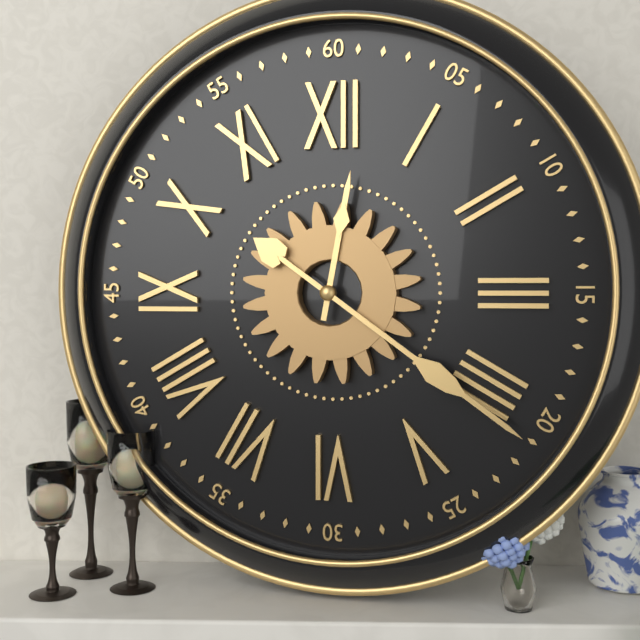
12:21
